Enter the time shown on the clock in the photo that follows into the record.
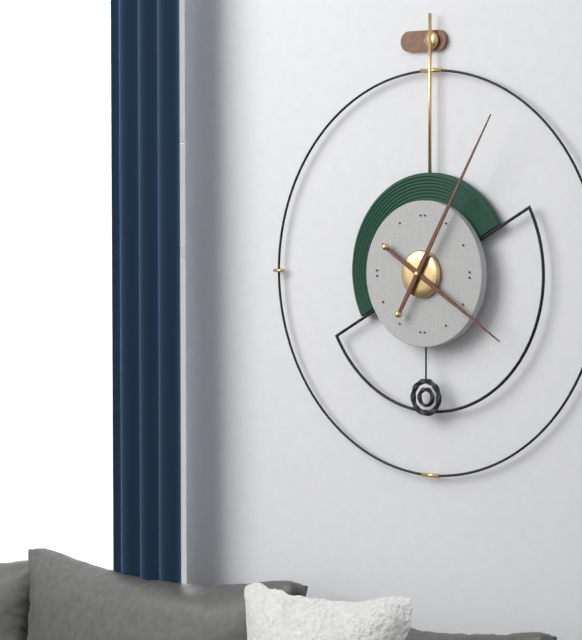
4:05
